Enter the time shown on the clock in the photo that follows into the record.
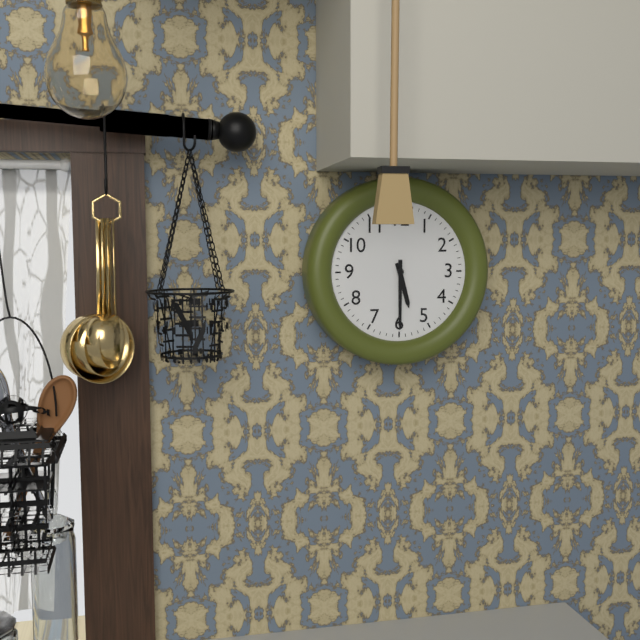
5:30
